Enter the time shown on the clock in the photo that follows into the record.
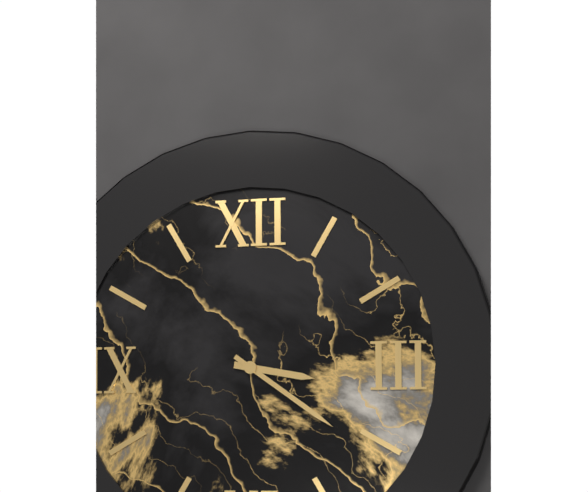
3:21
